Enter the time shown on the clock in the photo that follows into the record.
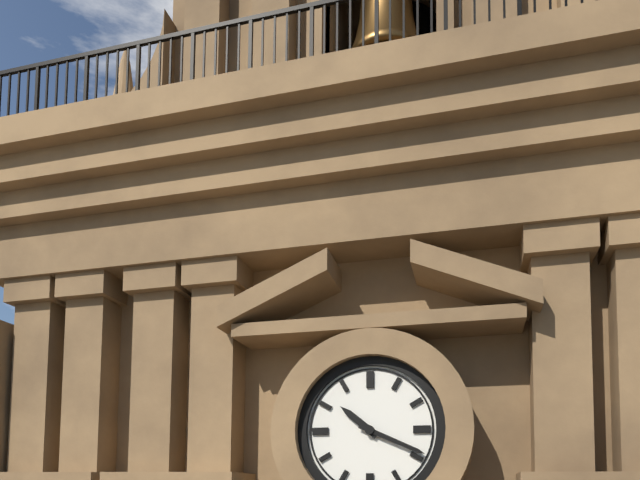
10:19
